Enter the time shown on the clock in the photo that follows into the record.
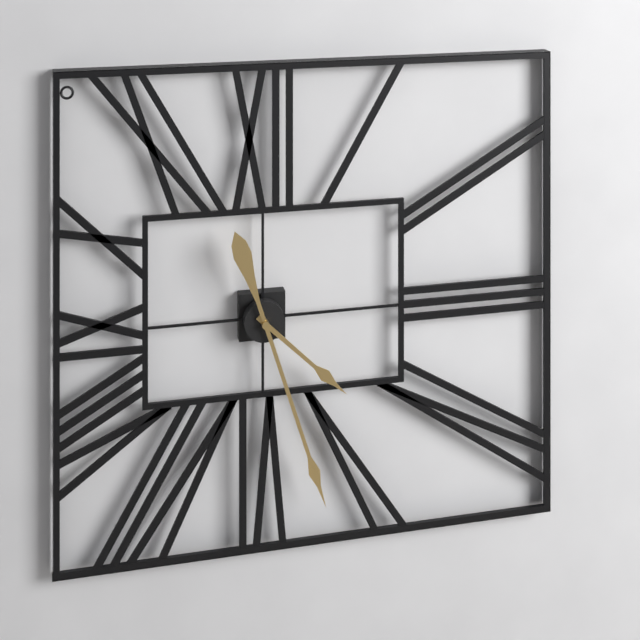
4:27
